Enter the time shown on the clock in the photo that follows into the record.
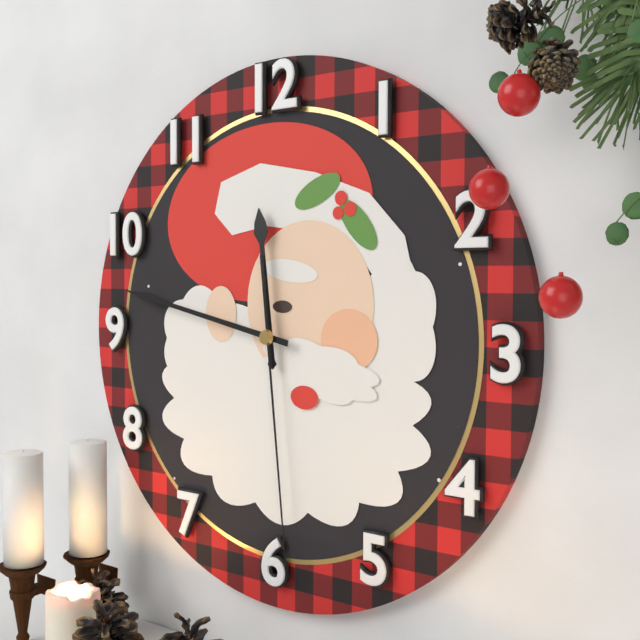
11:47:29
